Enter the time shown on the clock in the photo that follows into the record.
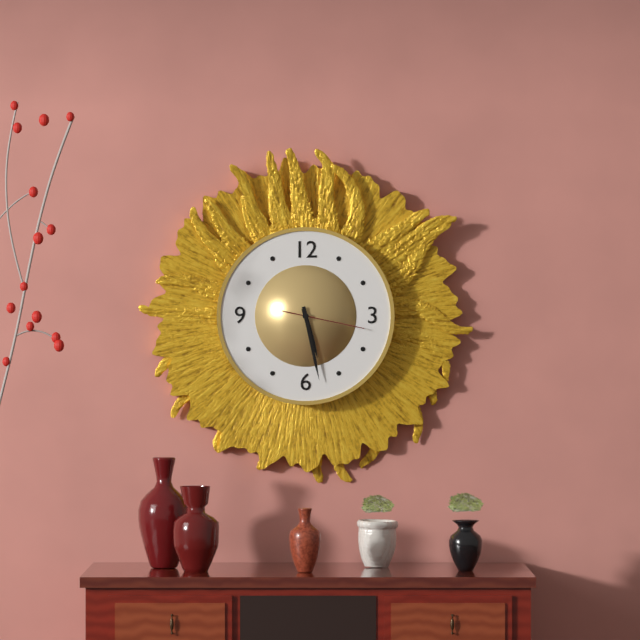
5:28:17
